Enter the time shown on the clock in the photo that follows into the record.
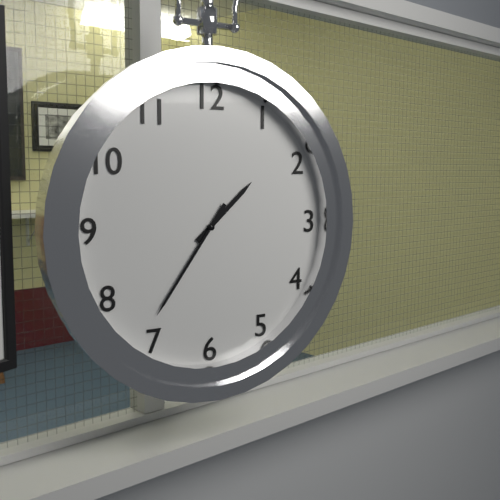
1:36
